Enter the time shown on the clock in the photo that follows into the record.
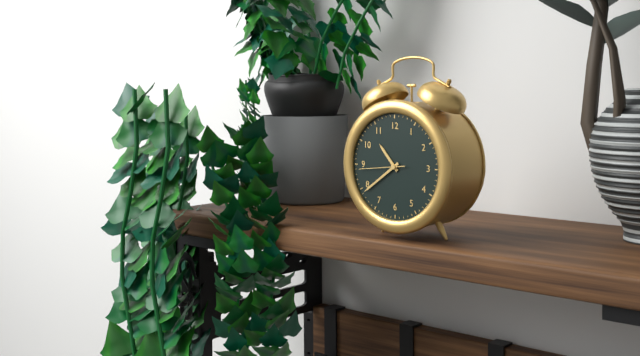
10:39
